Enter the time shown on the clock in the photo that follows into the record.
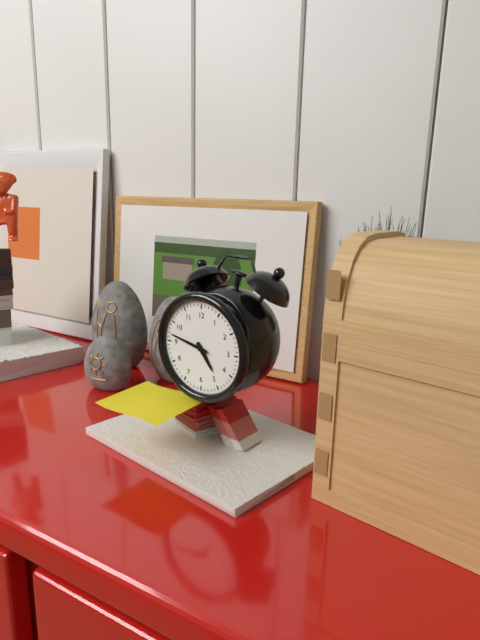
4:47
